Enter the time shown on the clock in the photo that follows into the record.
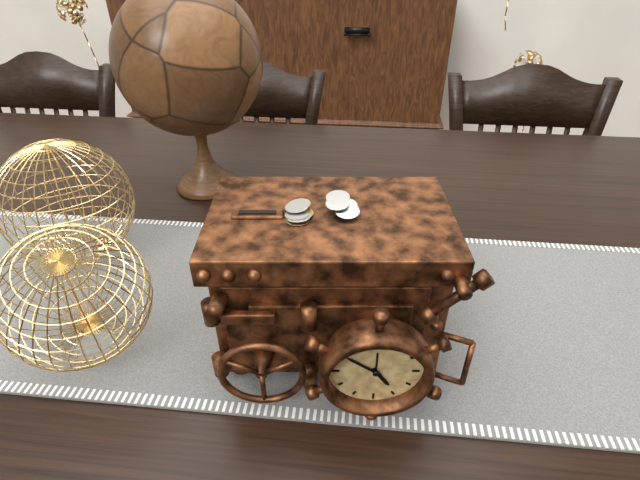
4:51
